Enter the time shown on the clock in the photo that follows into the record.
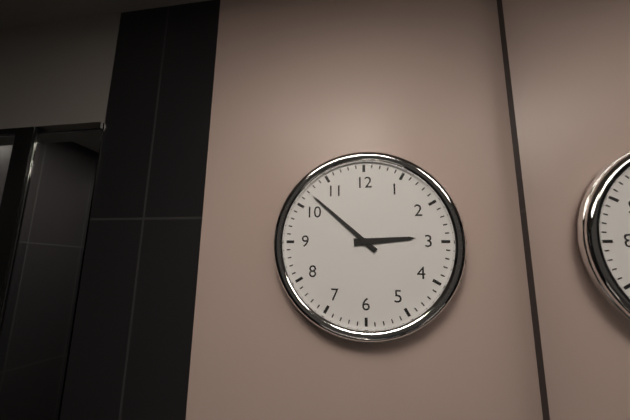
2:52
